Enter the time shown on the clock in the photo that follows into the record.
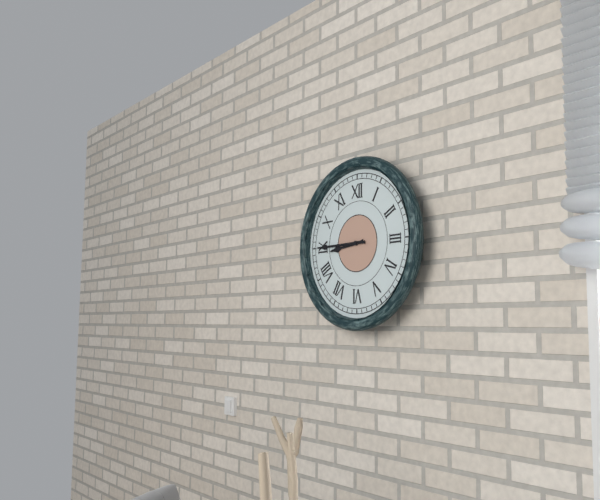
8:45
